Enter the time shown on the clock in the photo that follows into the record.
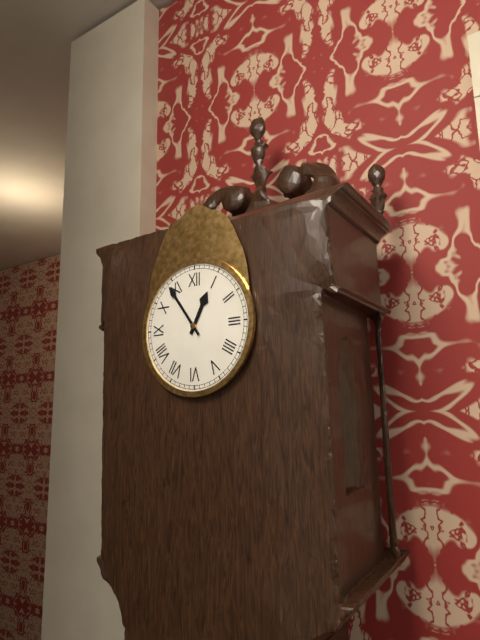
12:54
